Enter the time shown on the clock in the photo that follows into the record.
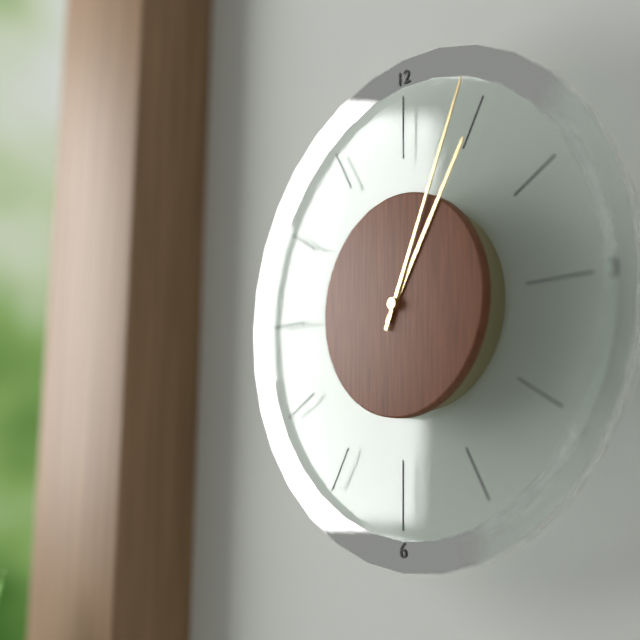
1:04
